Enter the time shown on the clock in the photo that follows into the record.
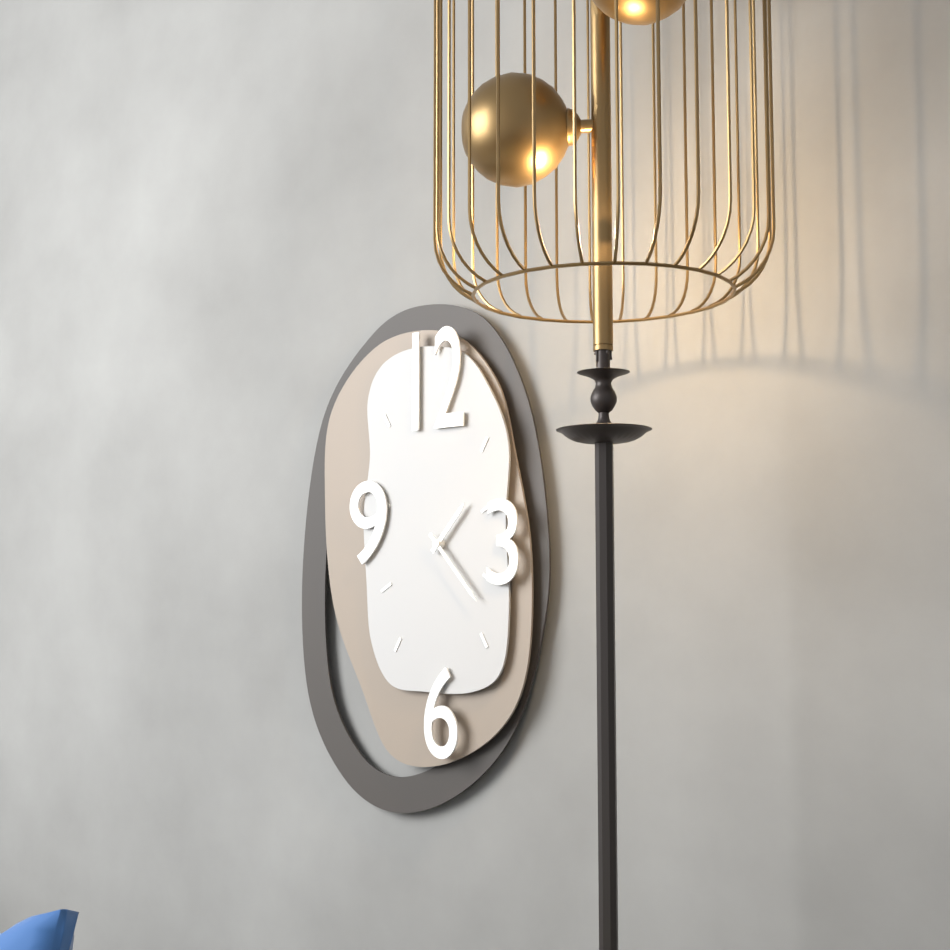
1:23
